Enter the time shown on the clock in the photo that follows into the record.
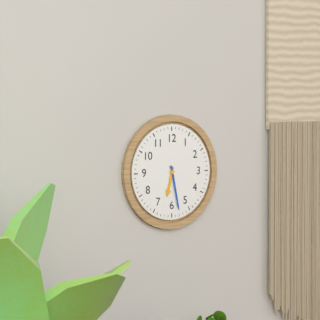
6:28
